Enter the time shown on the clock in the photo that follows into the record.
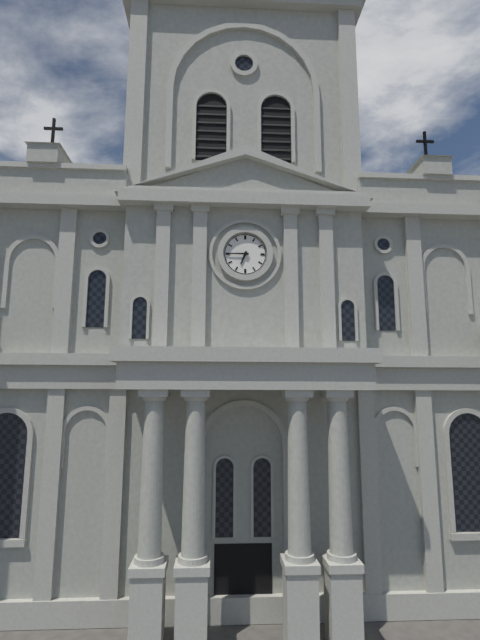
6:45
